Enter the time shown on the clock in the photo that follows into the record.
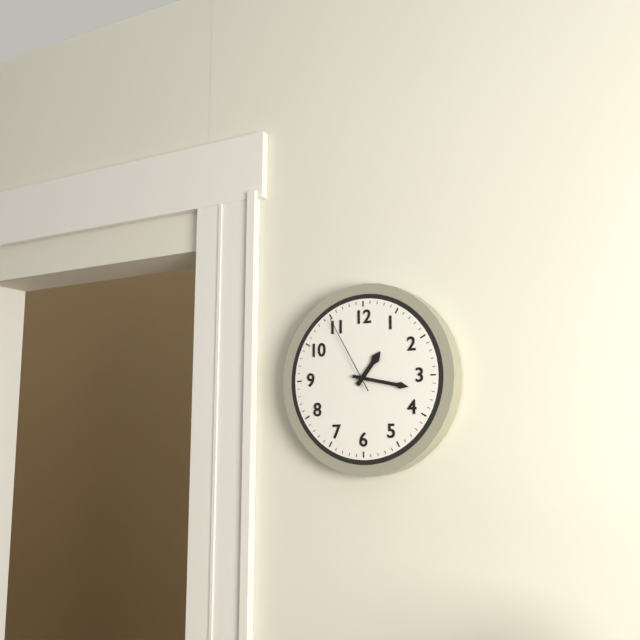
1:17:55
